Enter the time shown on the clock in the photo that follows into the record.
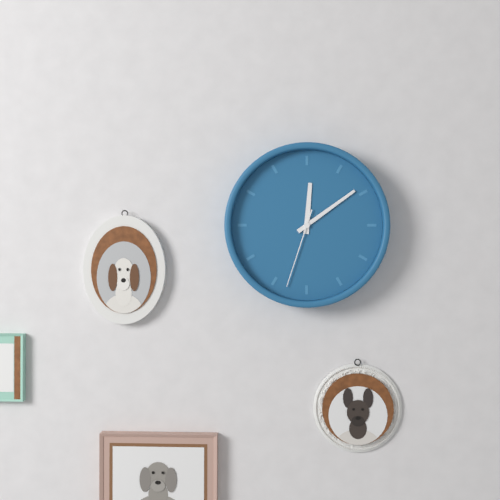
12:09:33
